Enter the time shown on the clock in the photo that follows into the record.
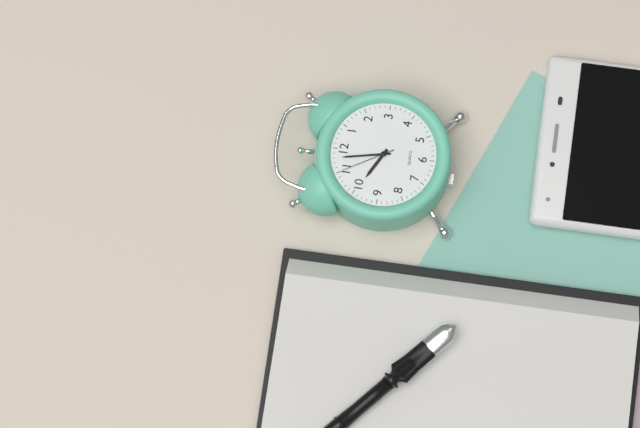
9:58:55
